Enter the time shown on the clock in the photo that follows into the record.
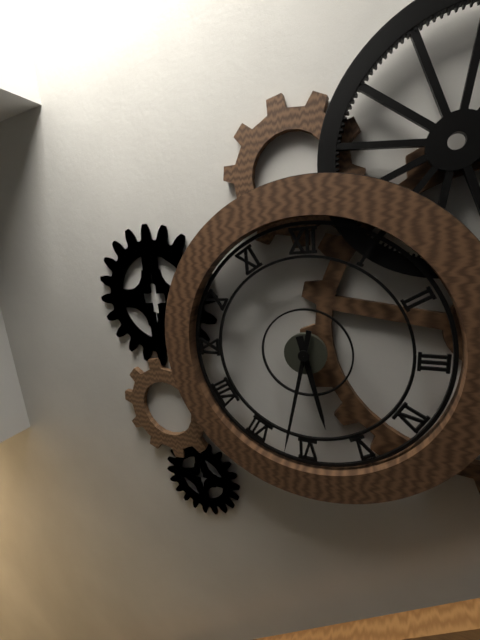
5:32
